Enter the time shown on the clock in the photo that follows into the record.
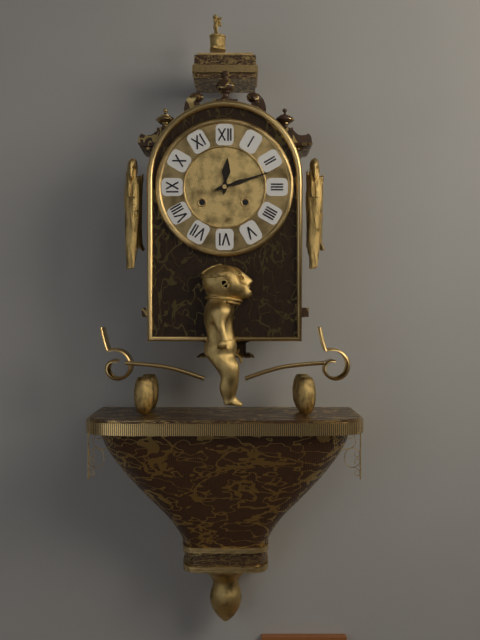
12:12
